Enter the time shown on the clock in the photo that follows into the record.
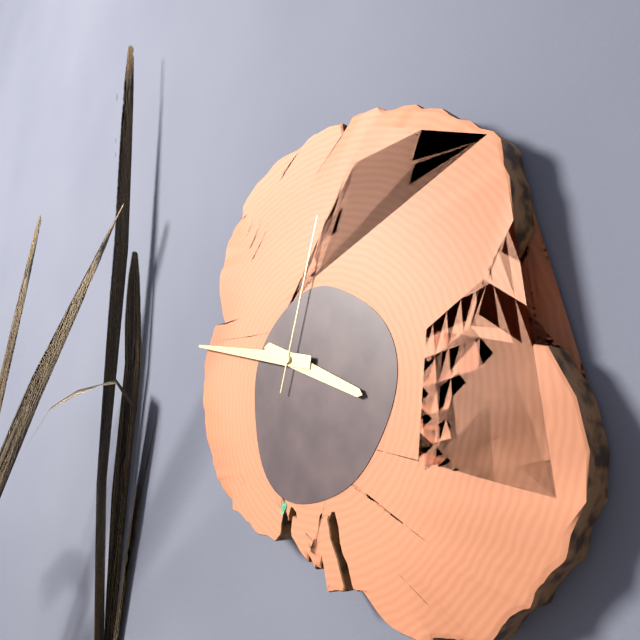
3:47:03
